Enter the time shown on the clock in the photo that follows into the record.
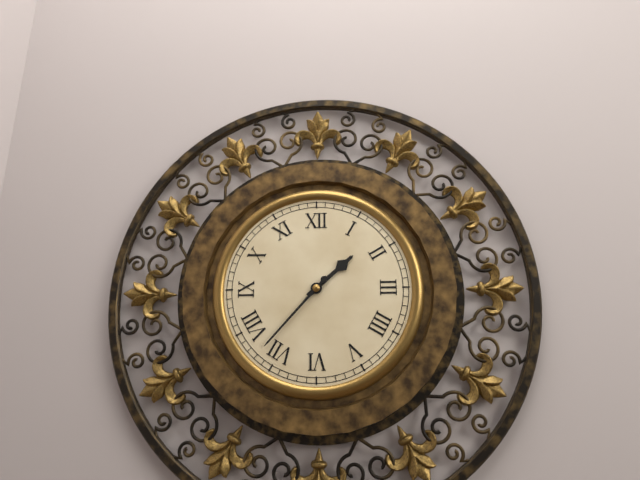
1:37
